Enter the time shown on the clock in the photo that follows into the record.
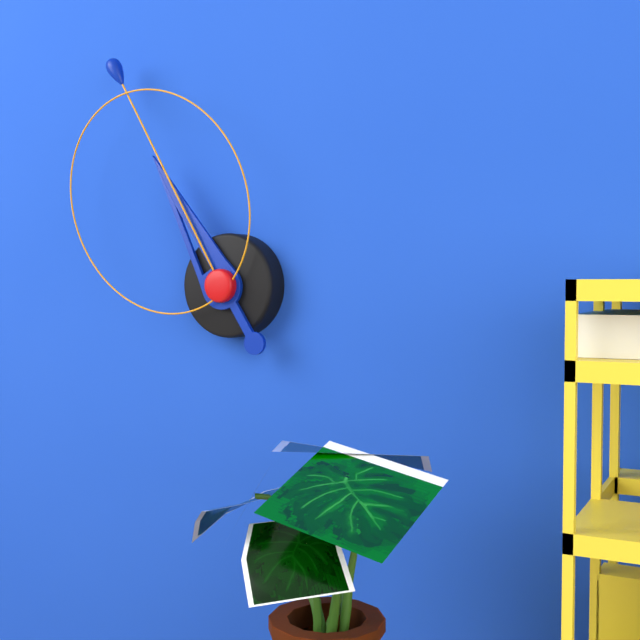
10:55:53
